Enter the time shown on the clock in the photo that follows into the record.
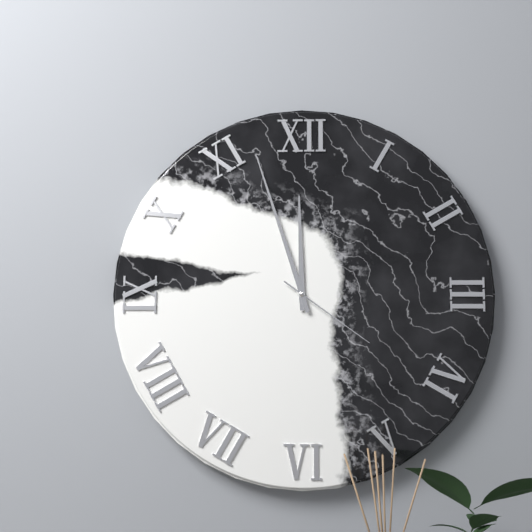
11:57:21
